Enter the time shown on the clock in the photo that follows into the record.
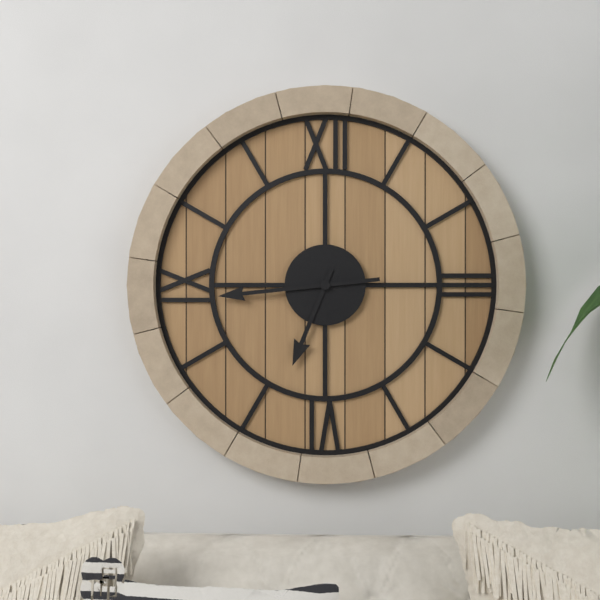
6:44
